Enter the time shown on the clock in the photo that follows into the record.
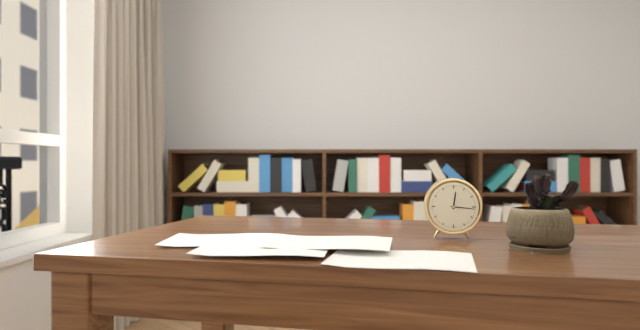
12:16
